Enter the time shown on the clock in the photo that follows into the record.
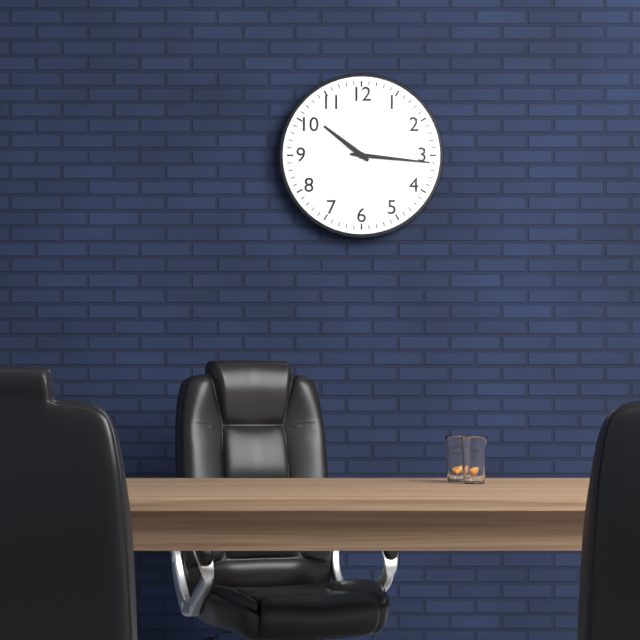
10:16
